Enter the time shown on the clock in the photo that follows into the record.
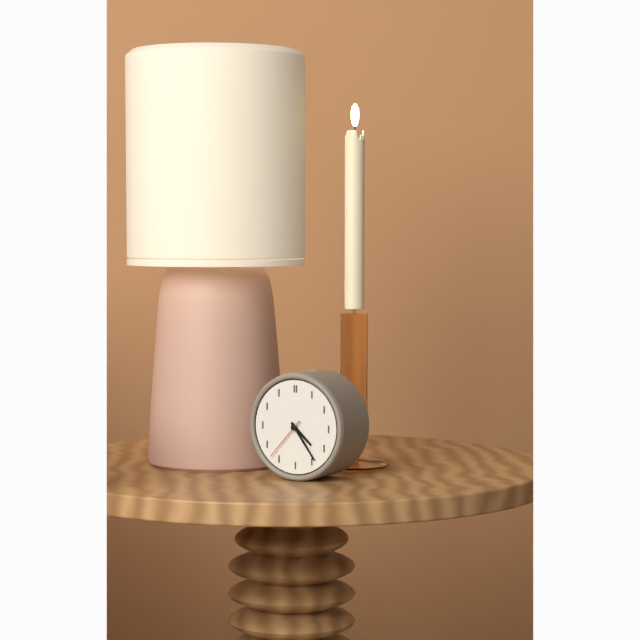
4:24
